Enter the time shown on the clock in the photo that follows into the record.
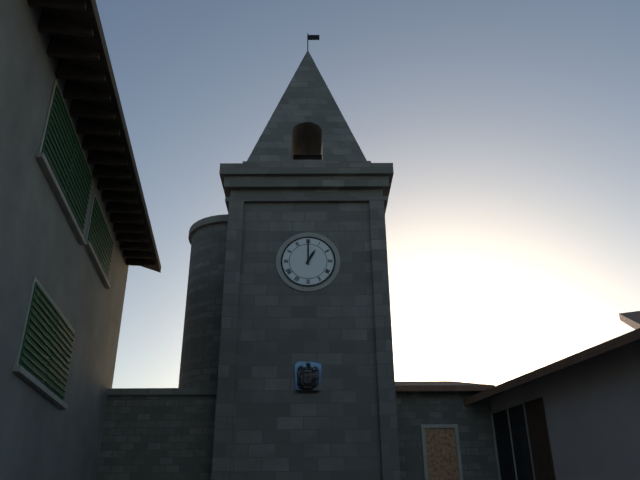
1:00
